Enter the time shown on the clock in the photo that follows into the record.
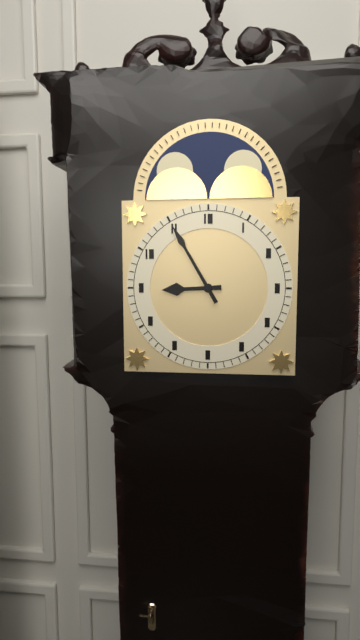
8:55
